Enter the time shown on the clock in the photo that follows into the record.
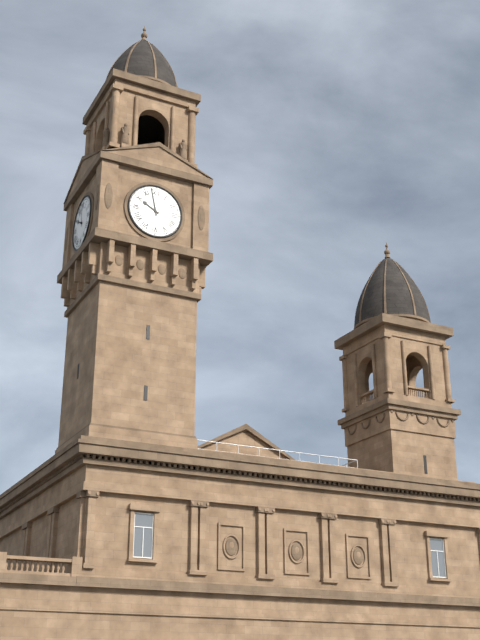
9:58
